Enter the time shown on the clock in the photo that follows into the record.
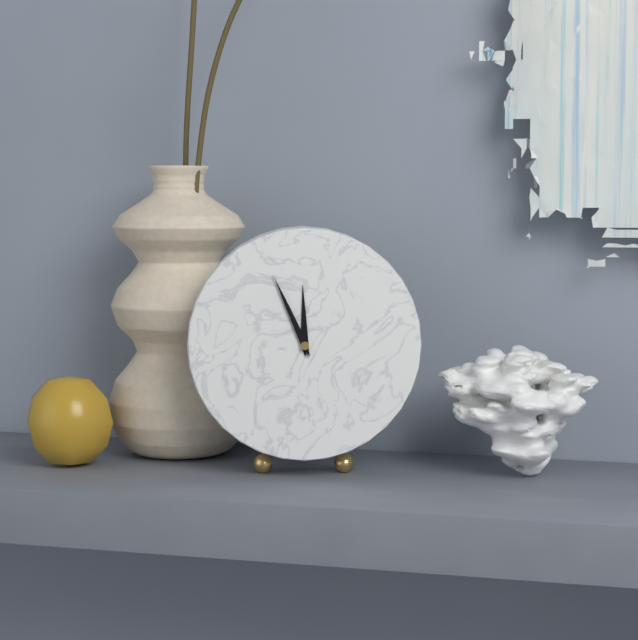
11:56
